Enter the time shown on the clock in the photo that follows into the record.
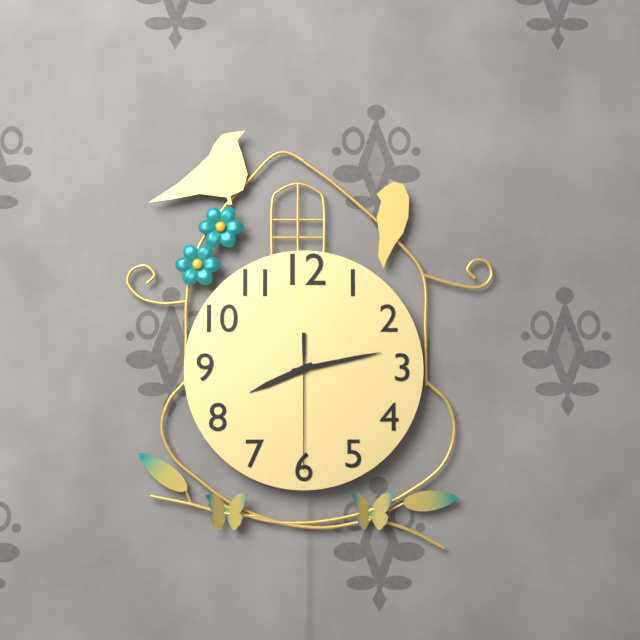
8:13:30
